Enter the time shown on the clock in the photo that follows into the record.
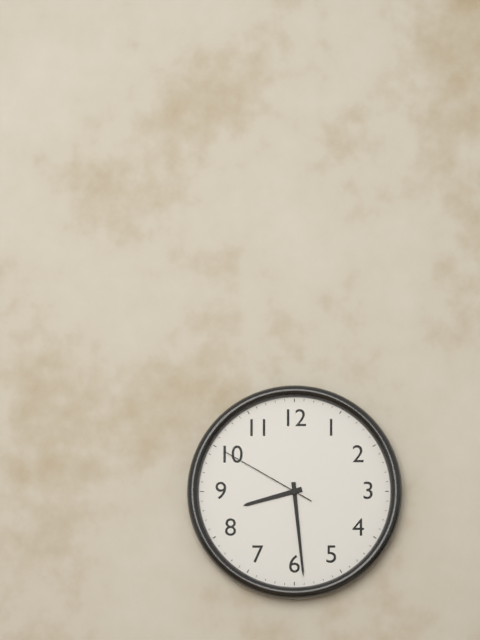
8:29:50
